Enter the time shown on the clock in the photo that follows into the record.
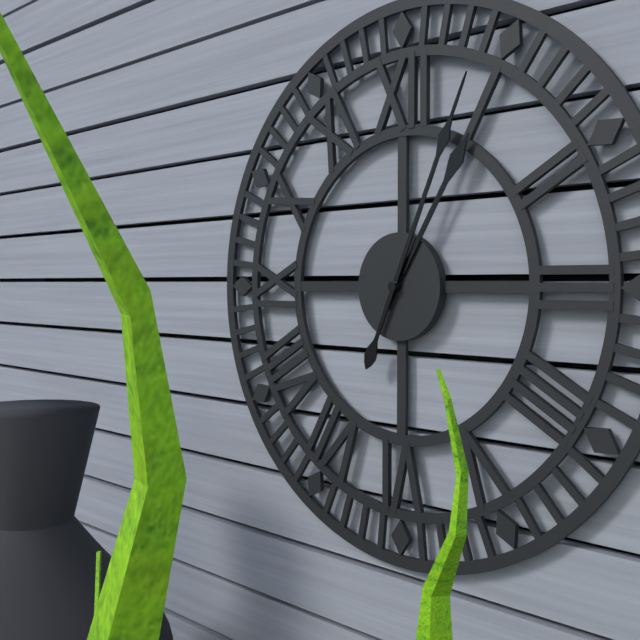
1:04
